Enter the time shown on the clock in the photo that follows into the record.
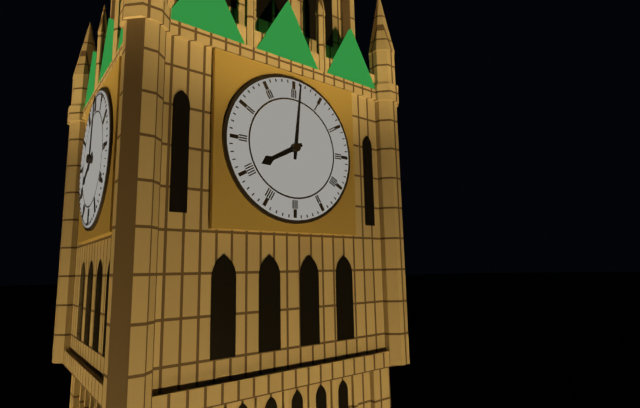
8:01
